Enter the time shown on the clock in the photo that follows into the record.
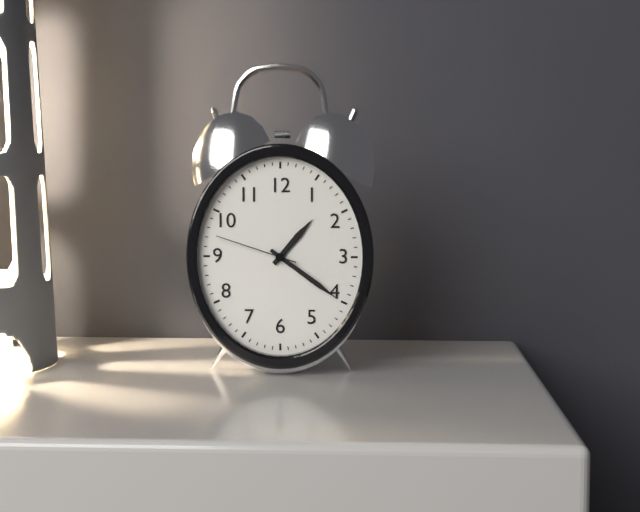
1:21:48
